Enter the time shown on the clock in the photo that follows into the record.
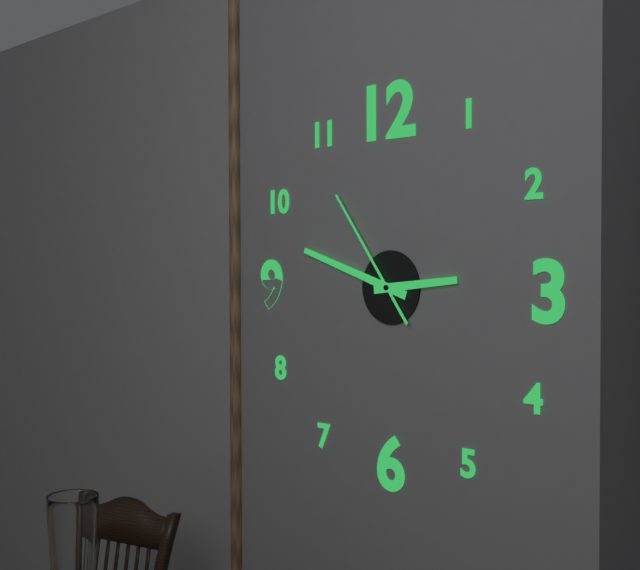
2:48:54
